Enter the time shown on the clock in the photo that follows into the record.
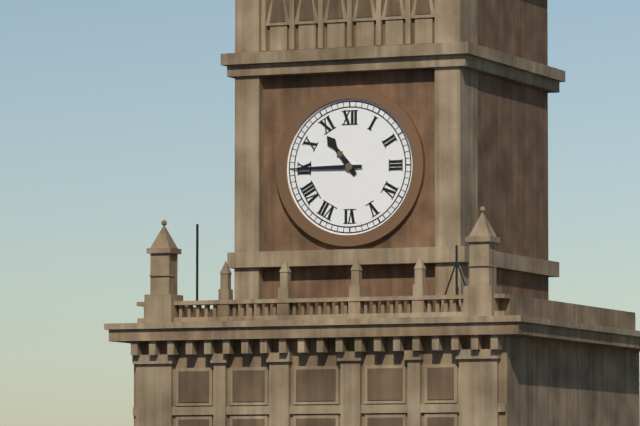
10:45
